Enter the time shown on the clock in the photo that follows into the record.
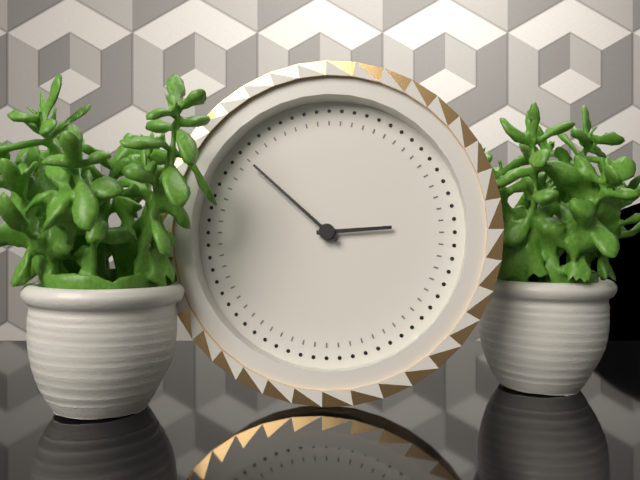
2:52
